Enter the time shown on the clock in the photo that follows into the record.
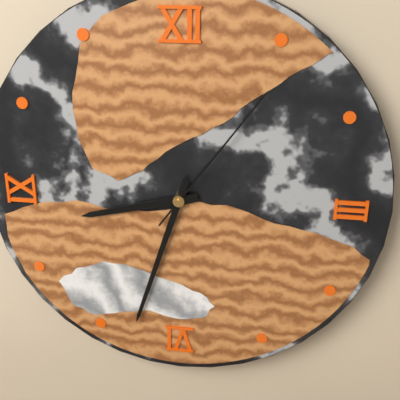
8:33:06
